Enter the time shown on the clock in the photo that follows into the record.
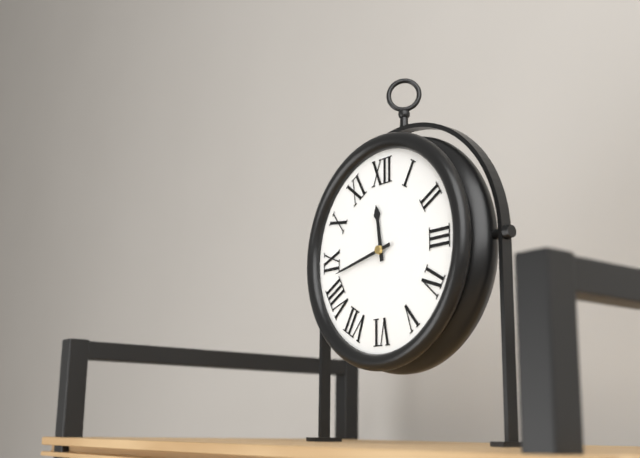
11:43
